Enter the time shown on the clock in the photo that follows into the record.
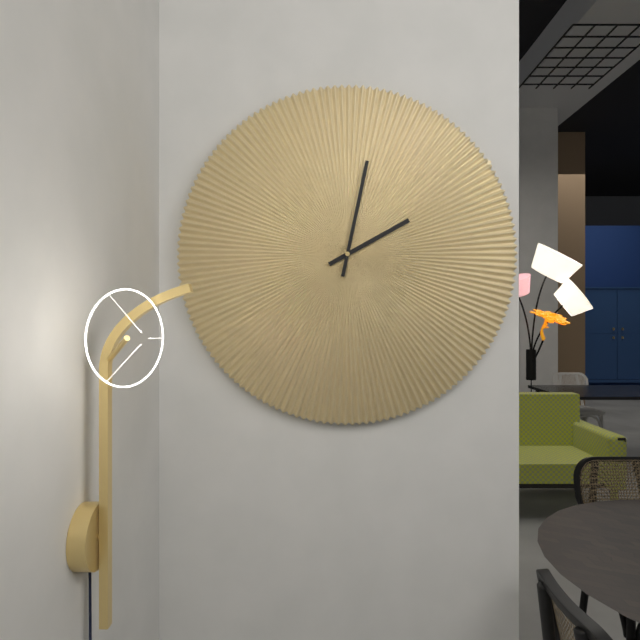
2:02
